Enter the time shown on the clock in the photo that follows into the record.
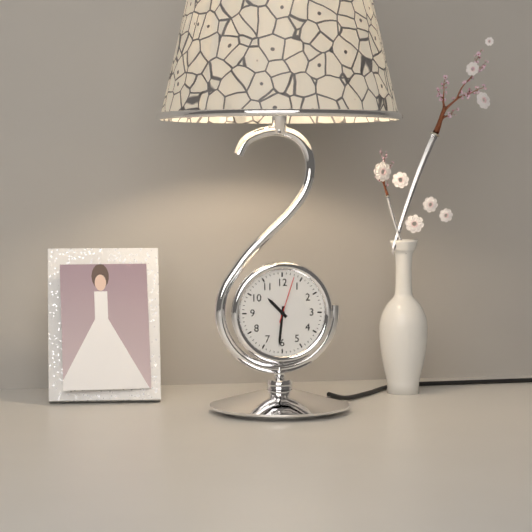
10:31
